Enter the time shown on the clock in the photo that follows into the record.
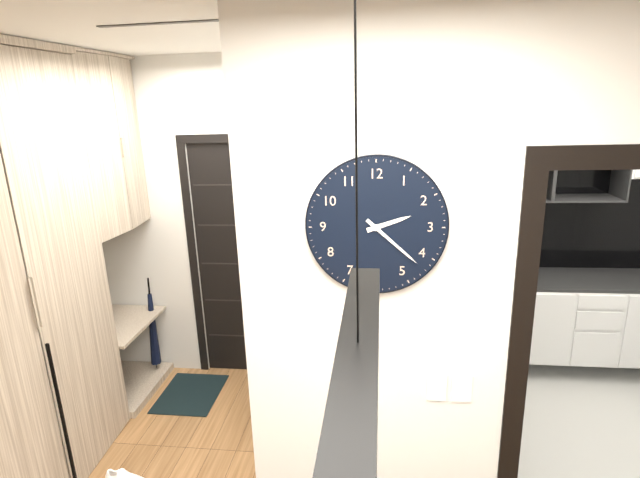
2:22
